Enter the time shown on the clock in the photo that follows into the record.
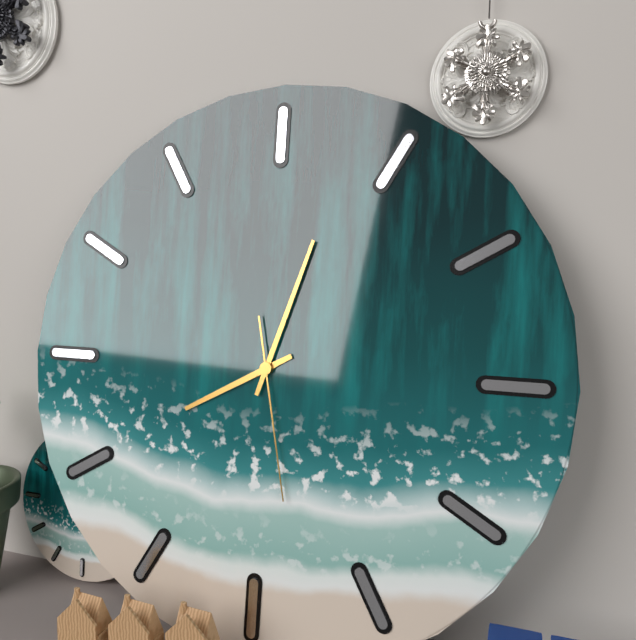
8:03:28
